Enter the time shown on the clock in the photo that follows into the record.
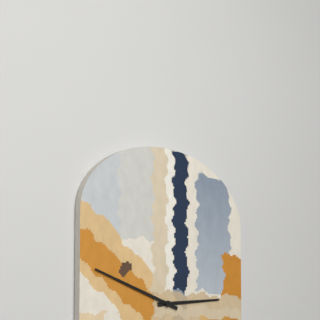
2:48
